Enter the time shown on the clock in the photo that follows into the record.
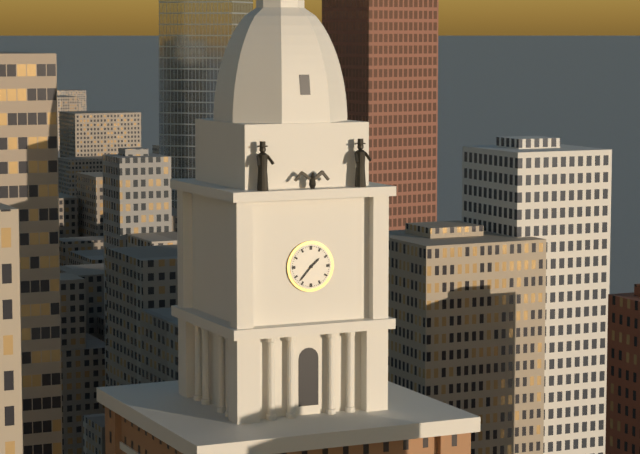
1:37
